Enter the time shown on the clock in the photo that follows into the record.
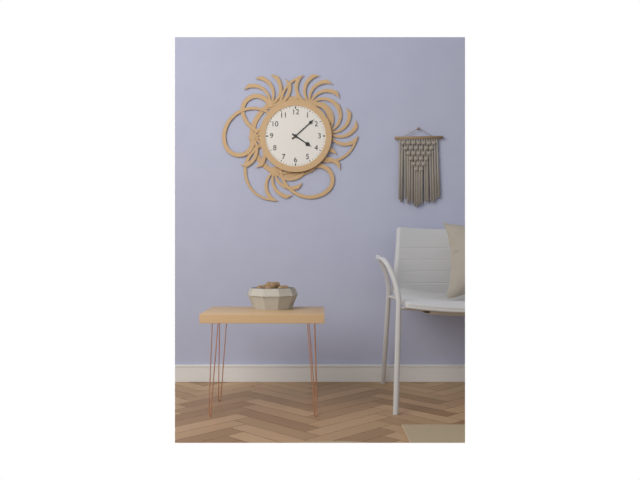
4:08
